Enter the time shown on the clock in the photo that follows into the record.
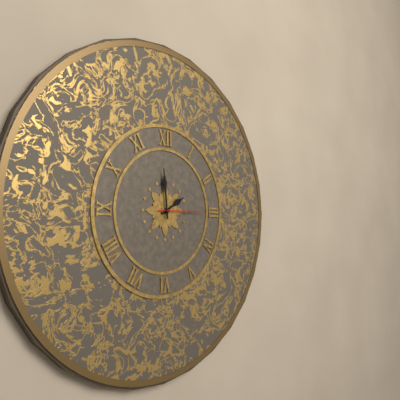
1:59
